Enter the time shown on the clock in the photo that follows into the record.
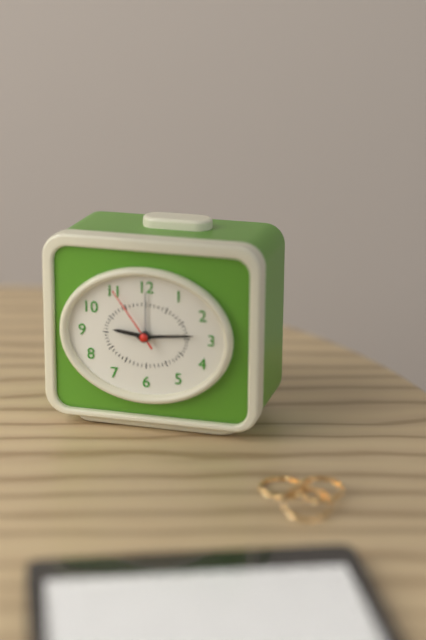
9:14:54
